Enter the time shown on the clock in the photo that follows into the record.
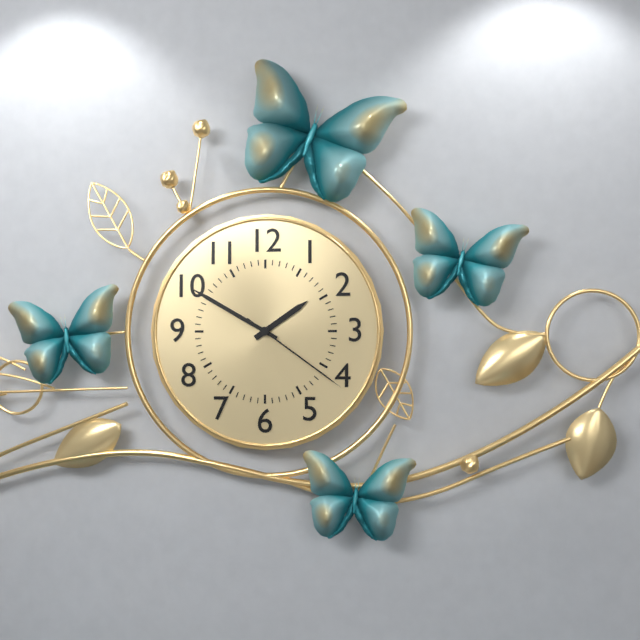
1:50:21
